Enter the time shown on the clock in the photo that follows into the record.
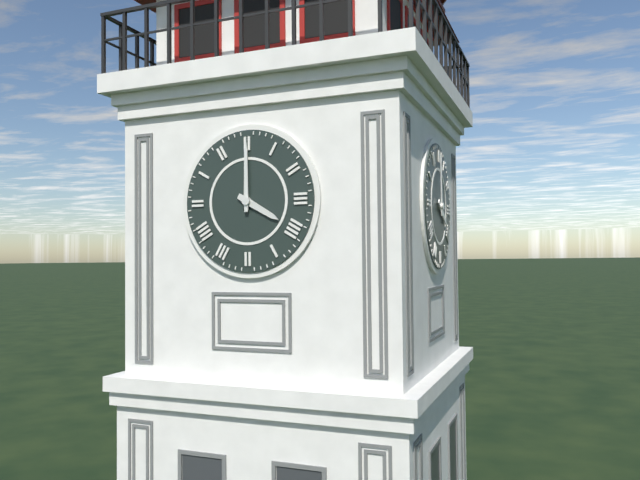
4:00
